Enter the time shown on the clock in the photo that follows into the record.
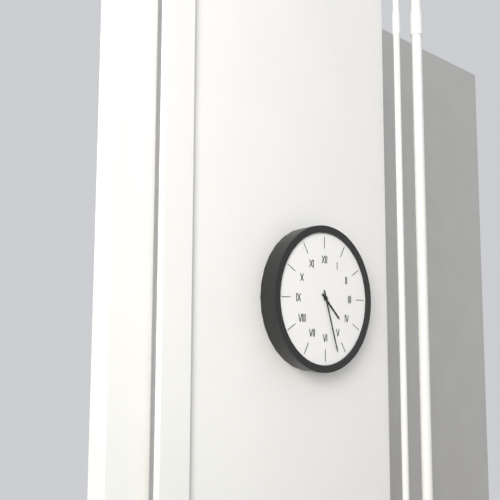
4:27
